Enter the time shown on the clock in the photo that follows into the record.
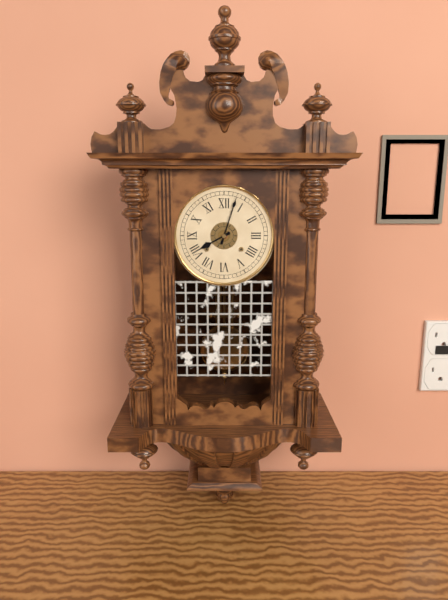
8:03
